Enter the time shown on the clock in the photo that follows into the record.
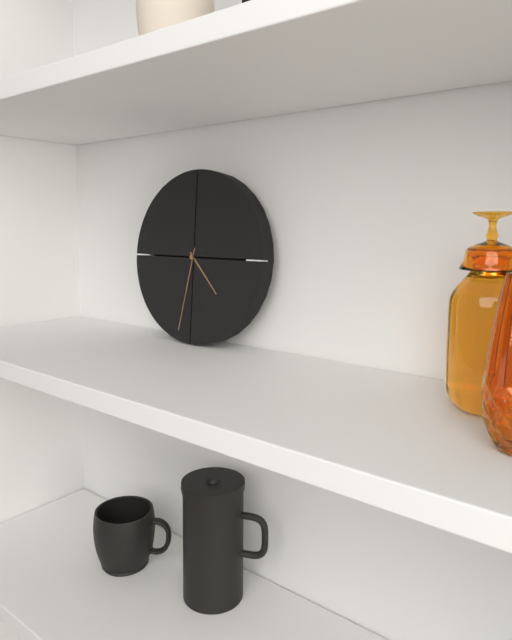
4:32
